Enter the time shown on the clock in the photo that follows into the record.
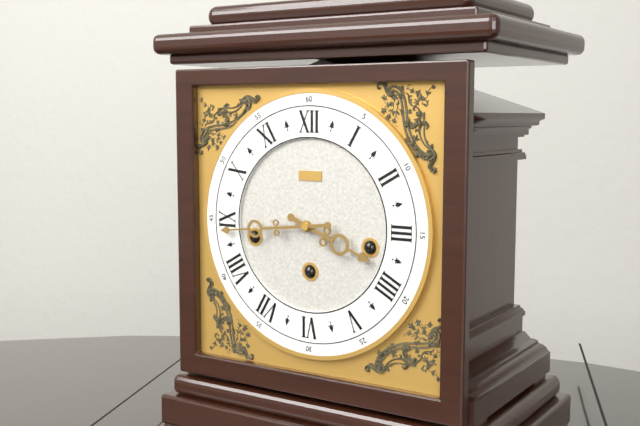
3:44
